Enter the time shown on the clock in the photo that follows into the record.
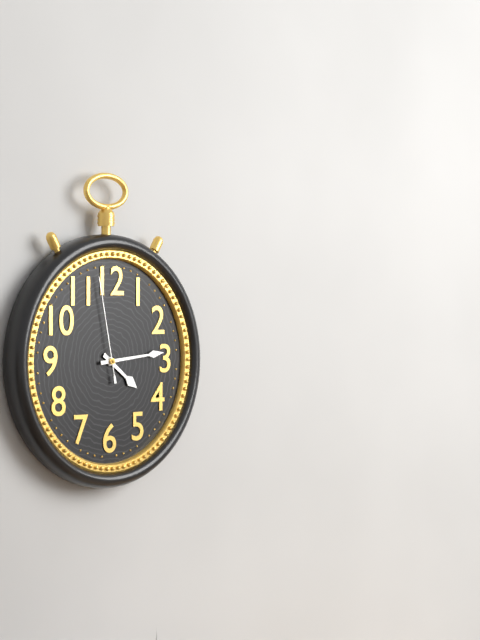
4:14:58
